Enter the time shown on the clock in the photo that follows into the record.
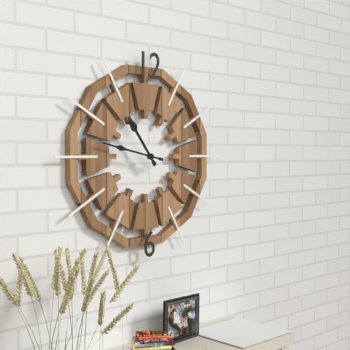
10:47
